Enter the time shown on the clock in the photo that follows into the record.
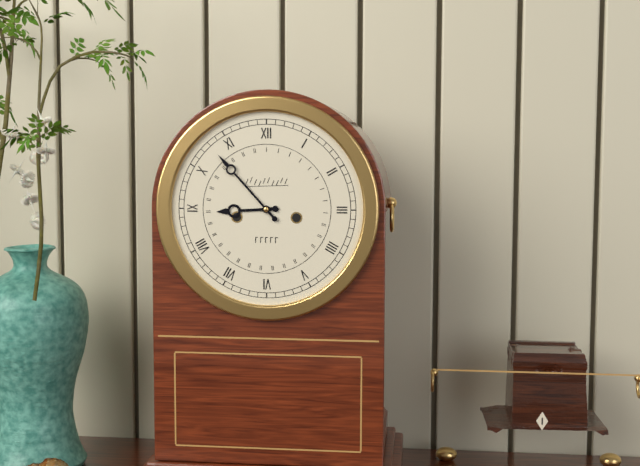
8:53
